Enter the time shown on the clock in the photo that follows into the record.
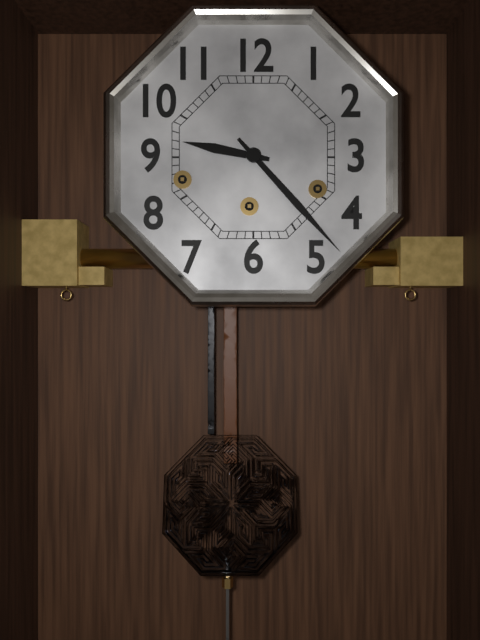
9:23
